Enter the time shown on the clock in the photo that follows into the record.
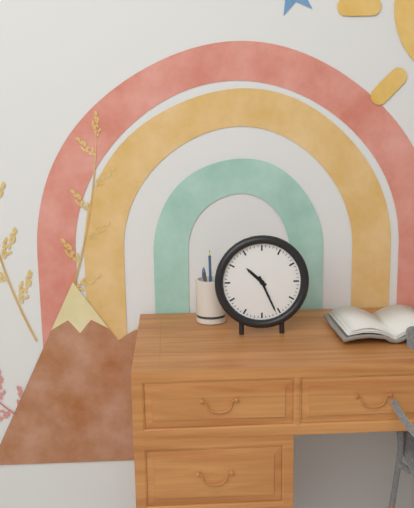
10:26
